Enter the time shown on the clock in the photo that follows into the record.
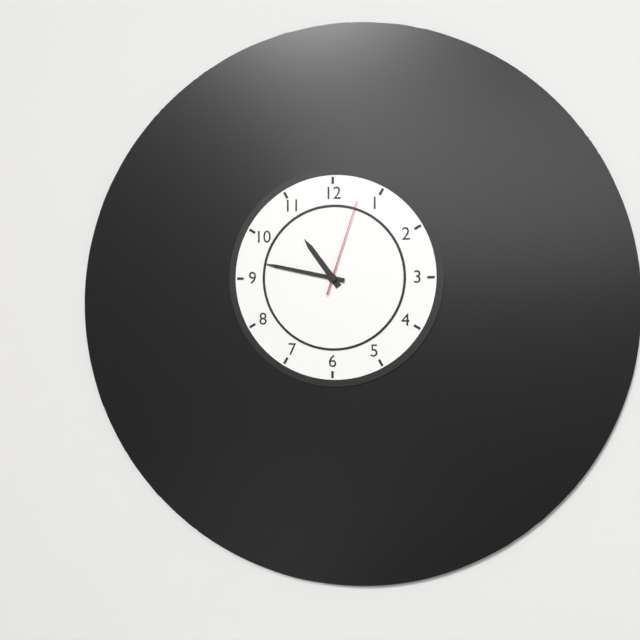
10:47:03
